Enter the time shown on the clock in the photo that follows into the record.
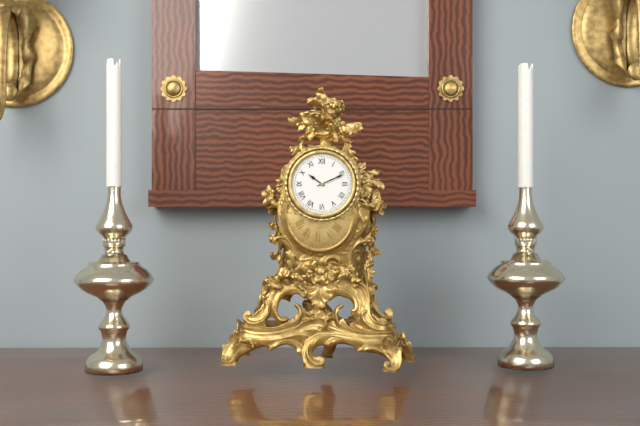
10:11
